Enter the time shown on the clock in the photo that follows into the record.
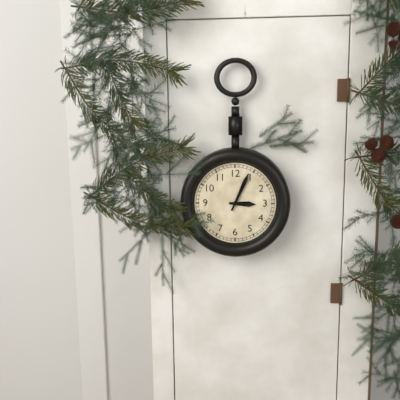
3:04
